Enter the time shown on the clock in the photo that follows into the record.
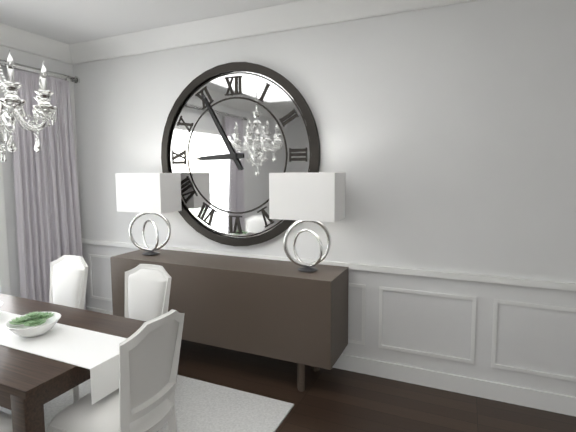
8:55
